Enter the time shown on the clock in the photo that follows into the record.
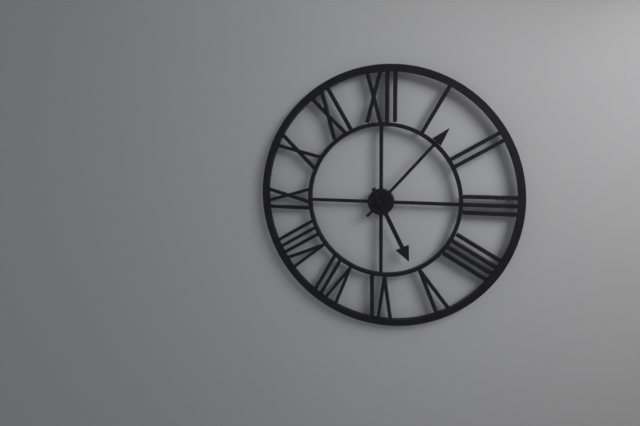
5:07
